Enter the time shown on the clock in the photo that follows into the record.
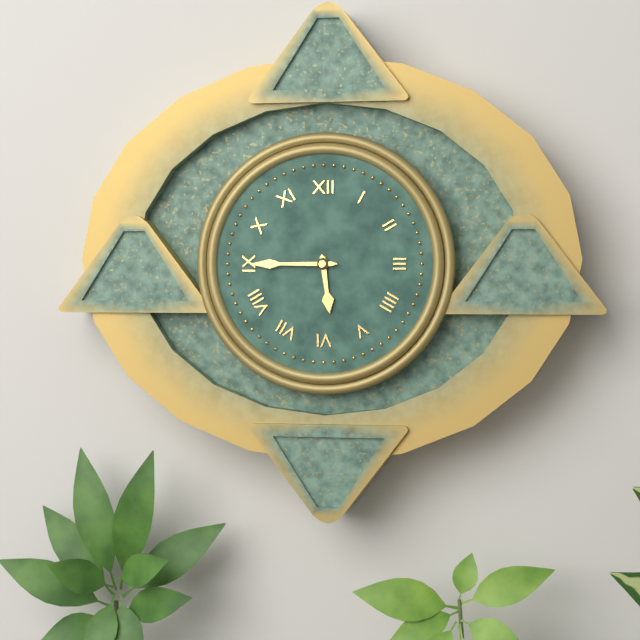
5:45
